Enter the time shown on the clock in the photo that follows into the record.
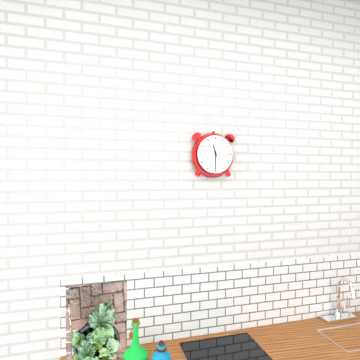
11:30
